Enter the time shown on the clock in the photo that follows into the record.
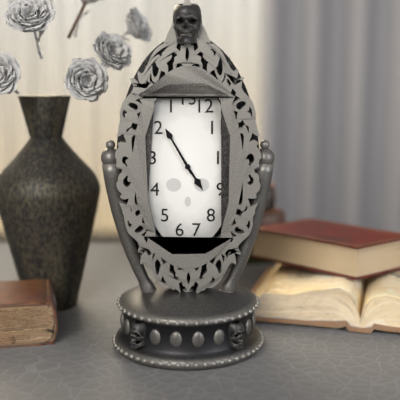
4:55
